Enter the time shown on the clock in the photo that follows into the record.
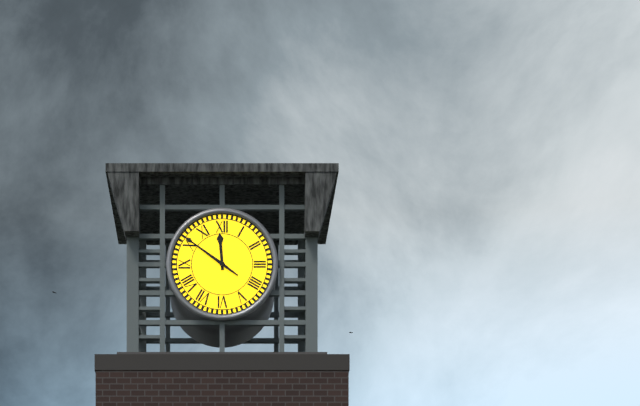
11:51
